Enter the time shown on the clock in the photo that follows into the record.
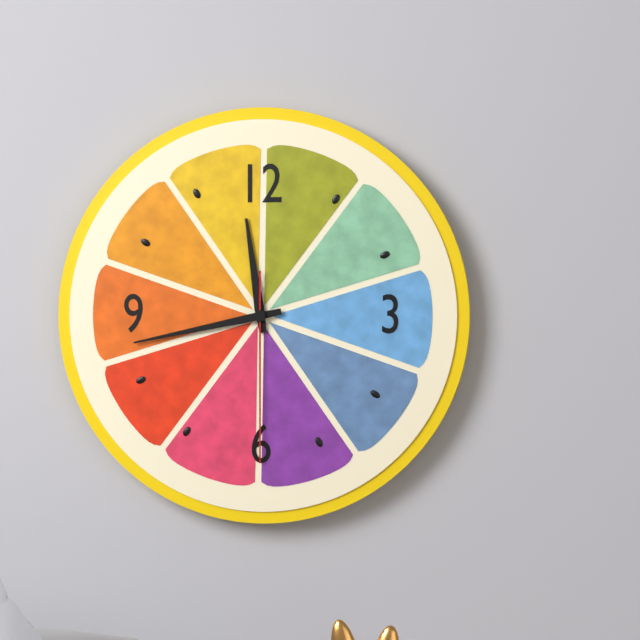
11:43:30
